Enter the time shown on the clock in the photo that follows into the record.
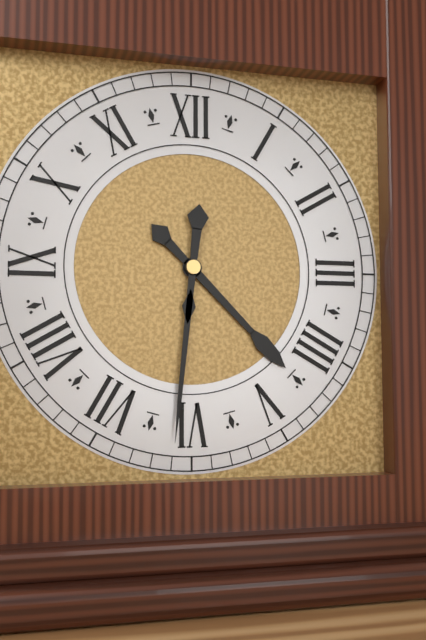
4:31
